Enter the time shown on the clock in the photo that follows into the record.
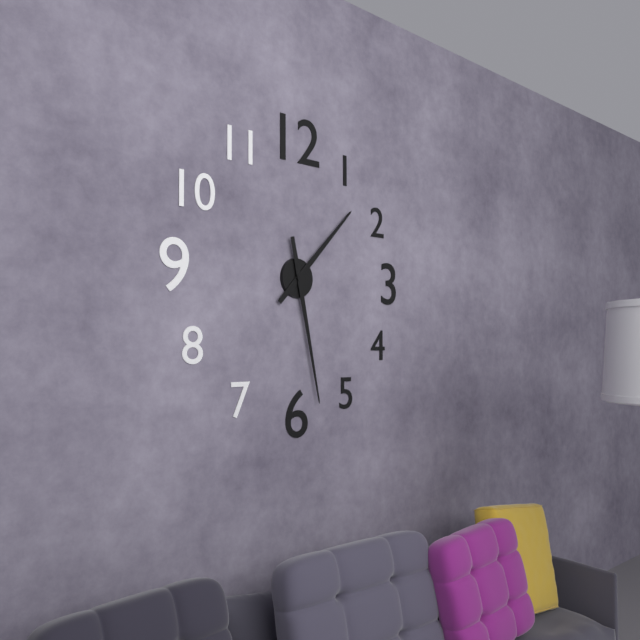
1:28
